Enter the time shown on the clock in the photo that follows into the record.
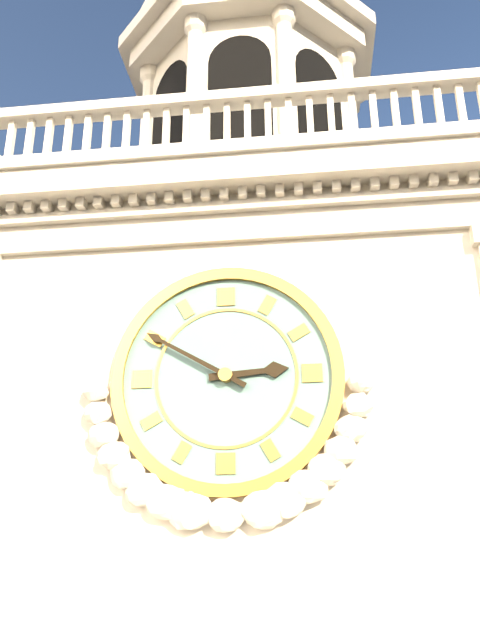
2:50
